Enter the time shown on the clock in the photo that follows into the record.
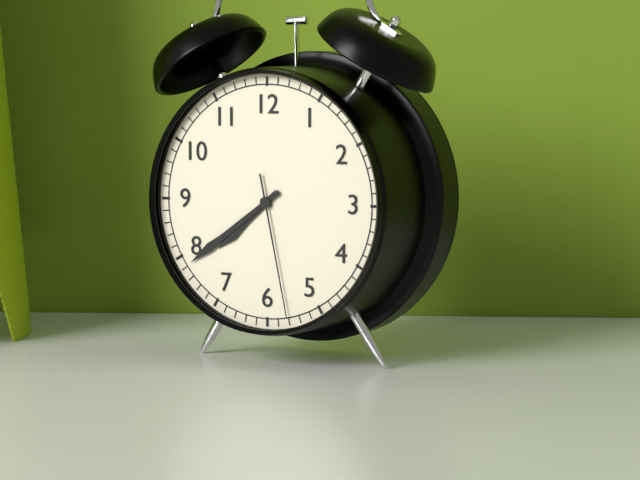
7:39:28
